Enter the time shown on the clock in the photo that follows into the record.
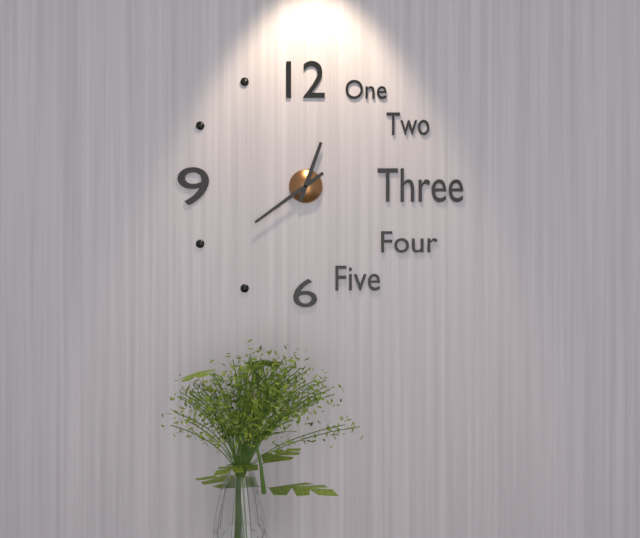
12:39
